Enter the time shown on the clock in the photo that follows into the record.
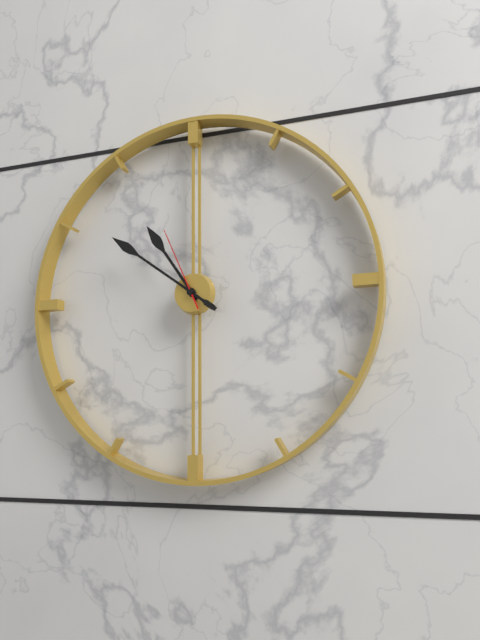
10:51:56
